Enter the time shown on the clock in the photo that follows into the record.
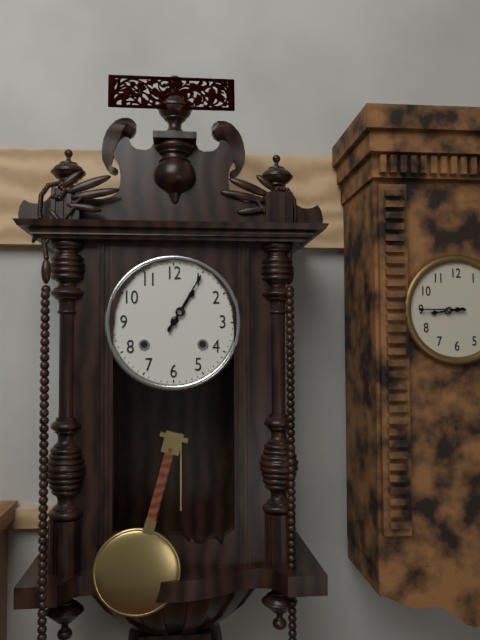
1:05
